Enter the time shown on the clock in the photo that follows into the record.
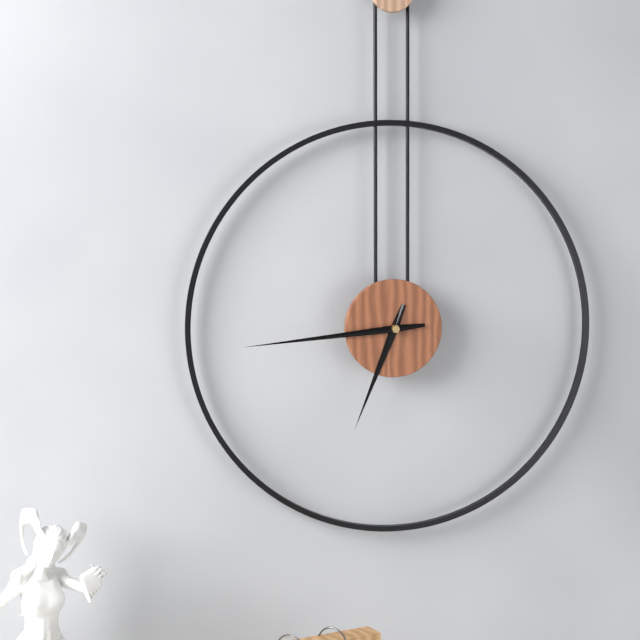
6:44
